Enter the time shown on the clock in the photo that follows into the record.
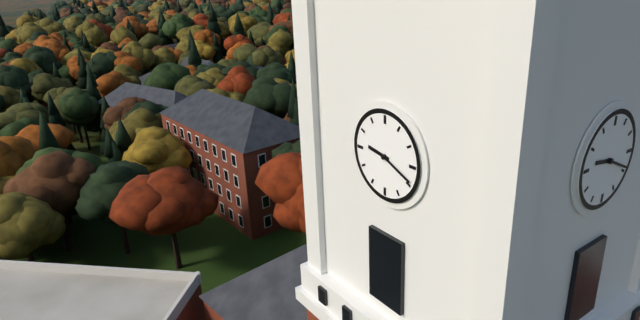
9:19
